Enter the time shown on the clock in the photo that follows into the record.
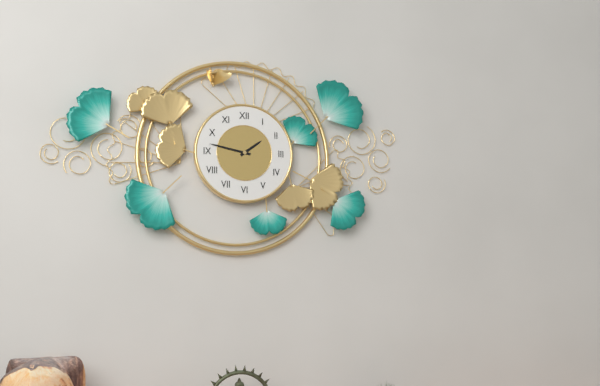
1:47
